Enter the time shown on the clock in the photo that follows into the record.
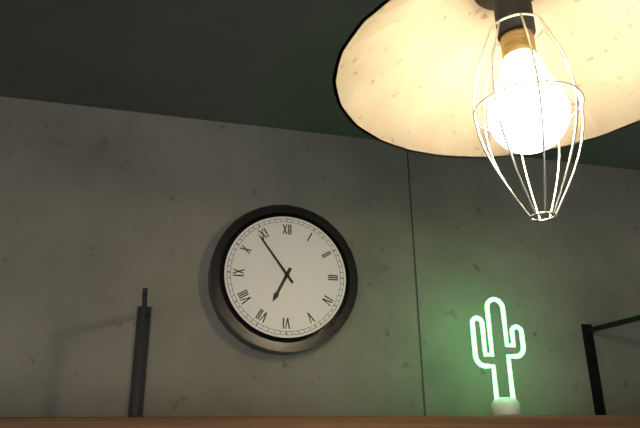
6:54
